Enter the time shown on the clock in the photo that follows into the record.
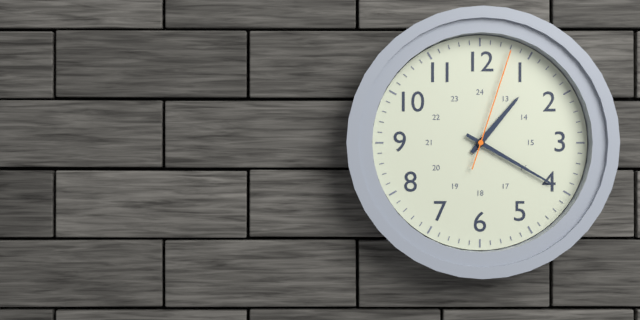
1:20:03
